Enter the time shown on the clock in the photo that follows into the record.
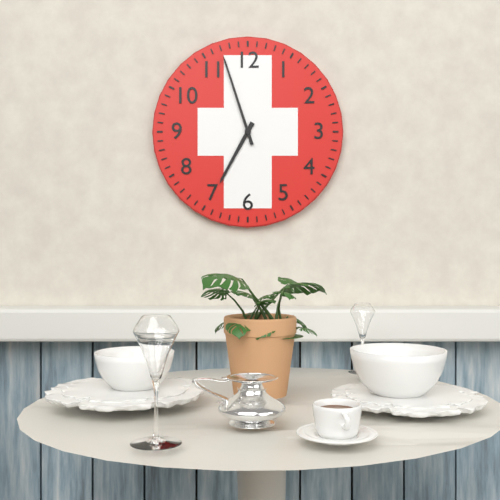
6:57
